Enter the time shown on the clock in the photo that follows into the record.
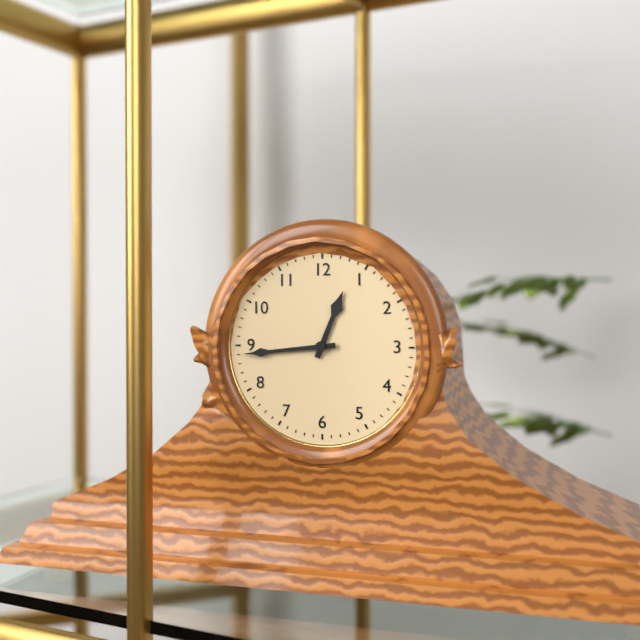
12:44
